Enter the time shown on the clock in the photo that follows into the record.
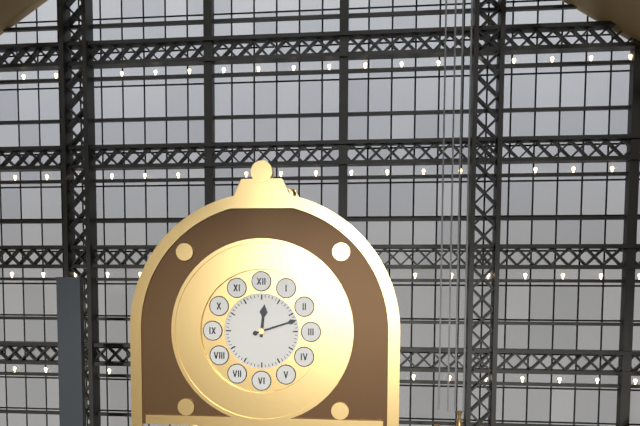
12:12
